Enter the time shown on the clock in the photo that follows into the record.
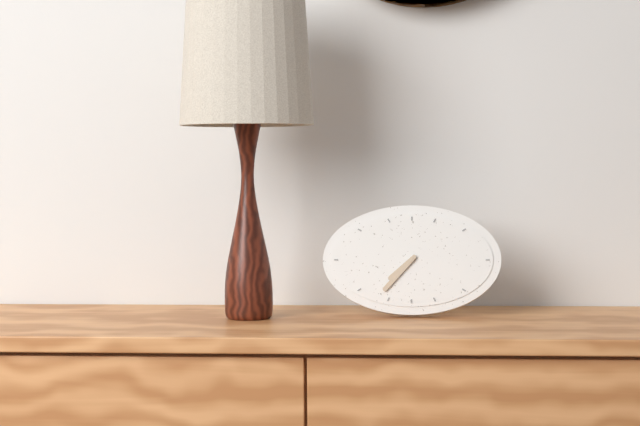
7:37
